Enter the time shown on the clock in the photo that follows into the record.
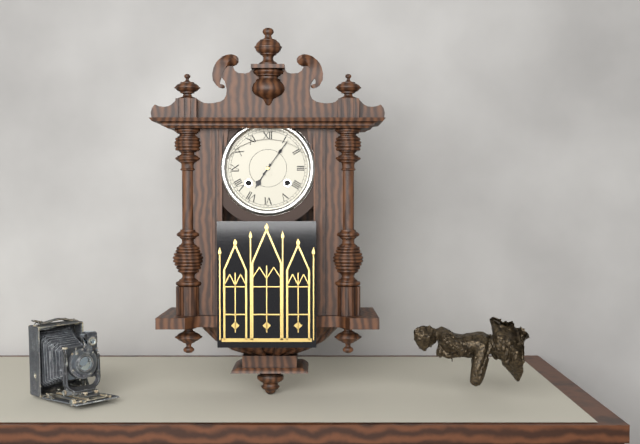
7:06
